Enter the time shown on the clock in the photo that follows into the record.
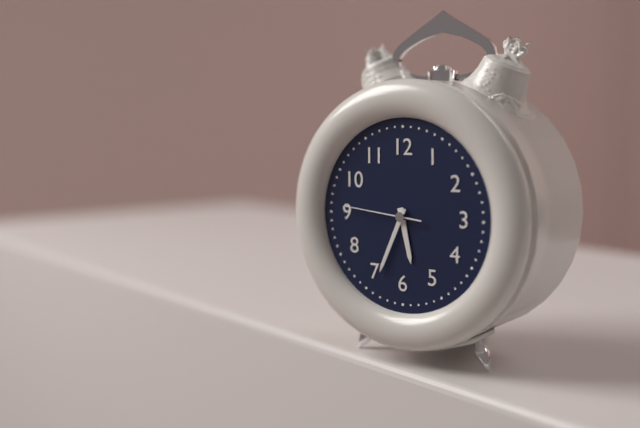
5:34:46
